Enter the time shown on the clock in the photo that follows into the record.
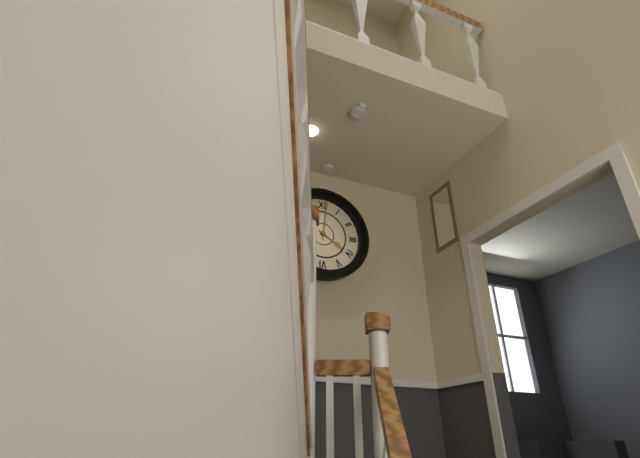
4:01
